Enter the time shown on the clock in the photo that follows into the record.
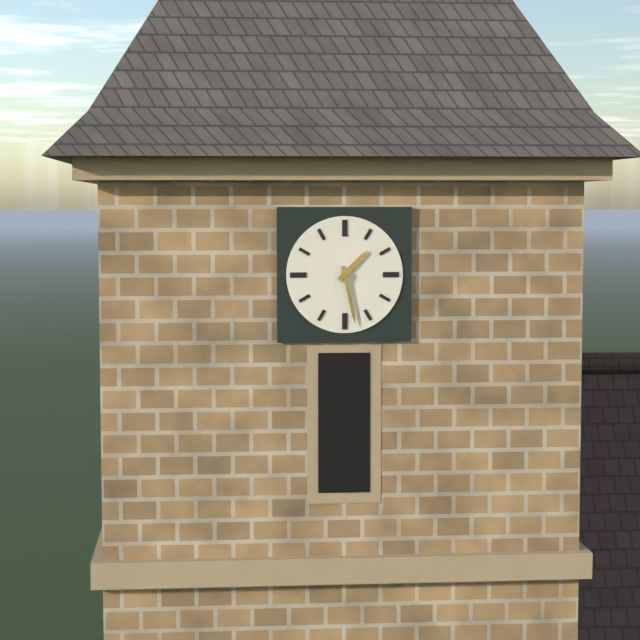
1:28
